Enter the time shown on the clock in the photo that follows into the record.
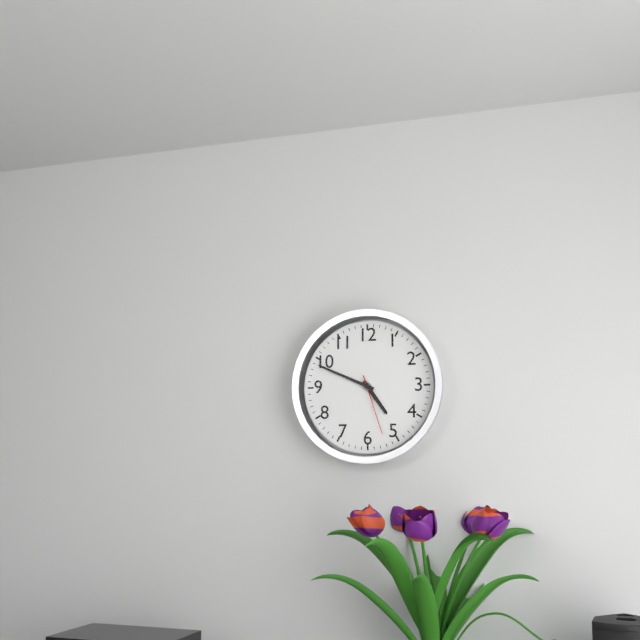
4:49:27
